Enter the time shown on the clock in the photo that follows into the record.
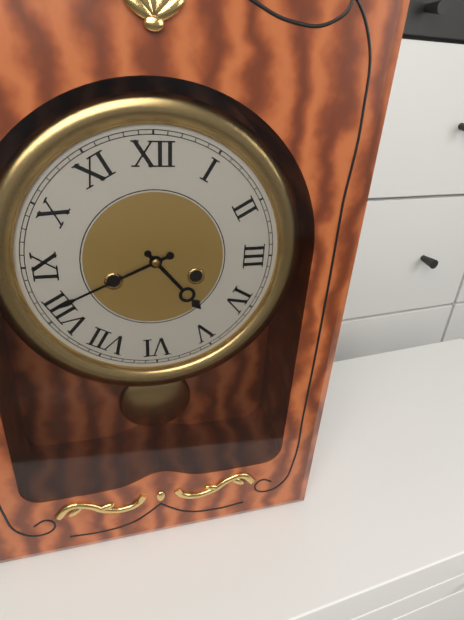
4:41
